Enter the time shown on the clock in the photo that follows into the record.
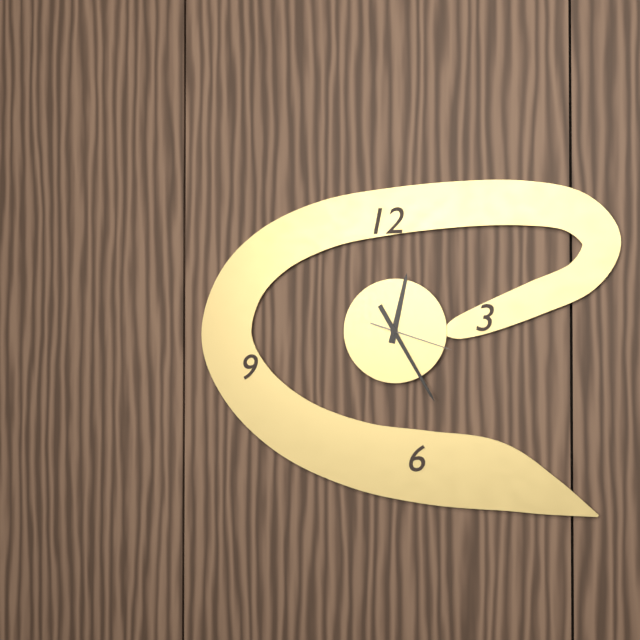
12:25:18
